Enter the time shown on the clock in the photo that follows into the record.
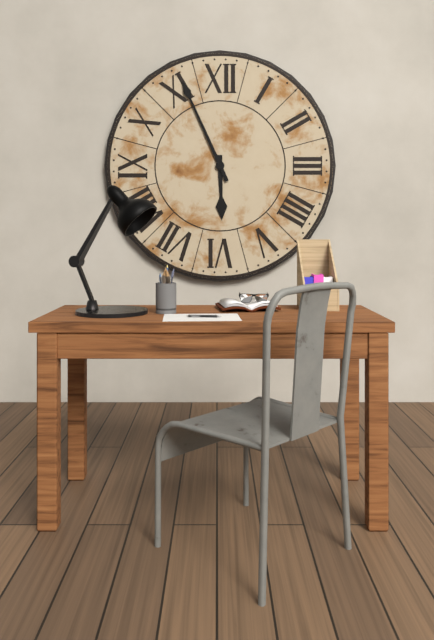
5:56
